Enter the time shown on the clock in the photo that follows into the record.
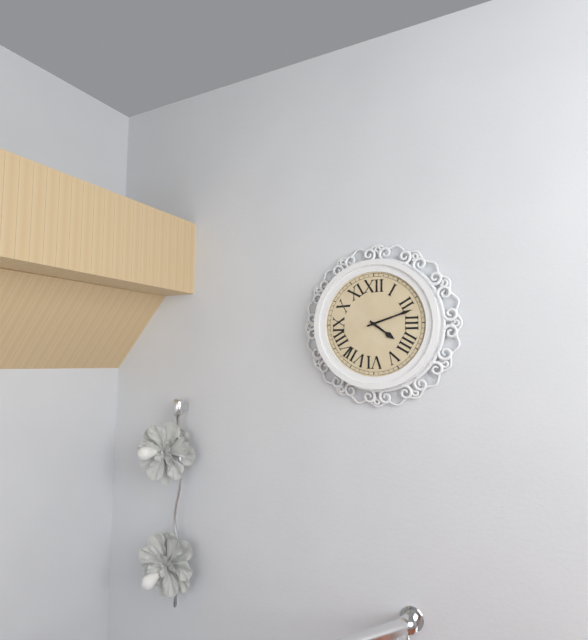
4:12
